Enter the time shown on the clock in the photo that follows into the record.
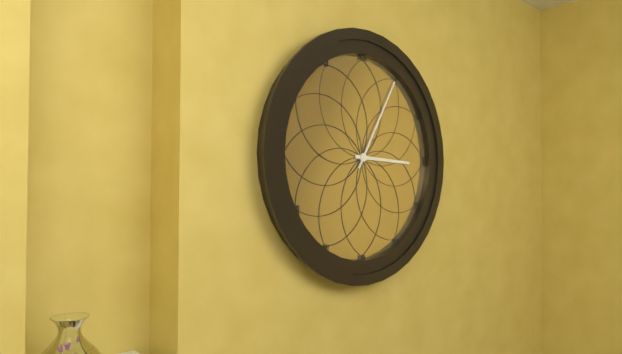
3:05
